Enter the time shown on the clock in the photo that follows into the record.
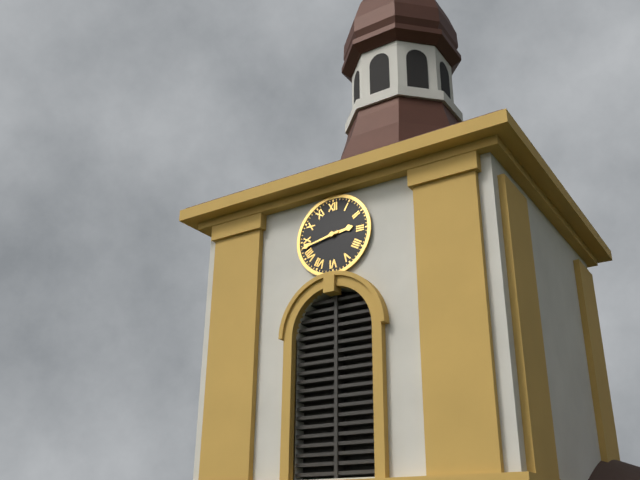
2:43
